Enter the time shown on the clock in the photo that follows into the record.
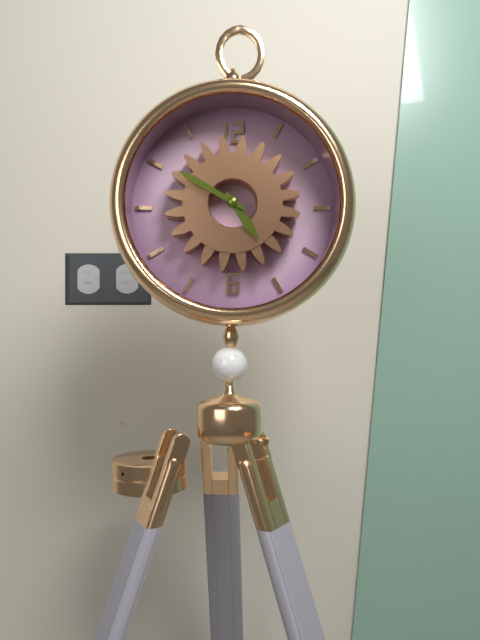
4:50
